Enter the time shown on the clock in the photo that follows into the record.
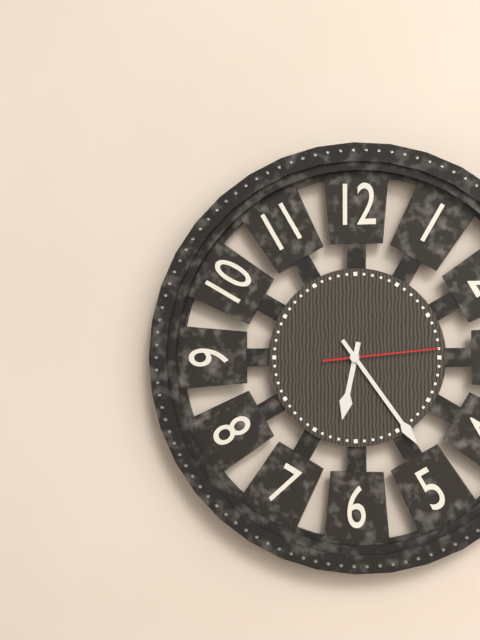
6:24:14
